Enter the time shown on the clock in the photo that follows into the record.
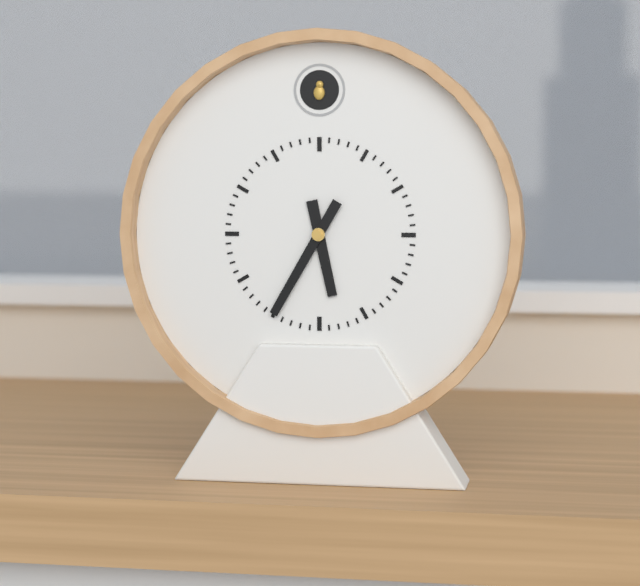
5:35
